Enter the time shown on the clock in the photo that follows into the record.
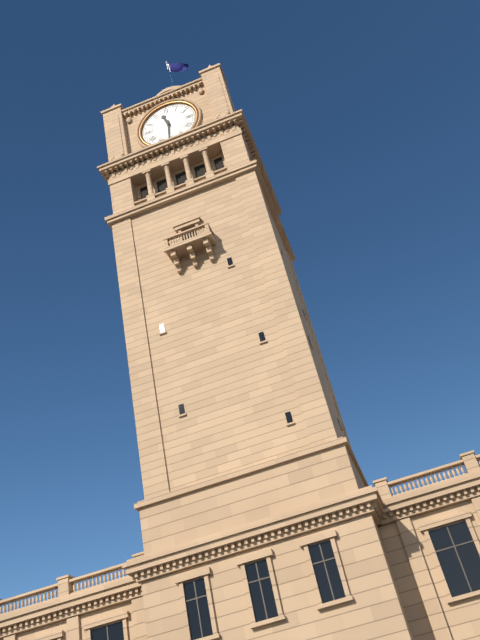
11:31
